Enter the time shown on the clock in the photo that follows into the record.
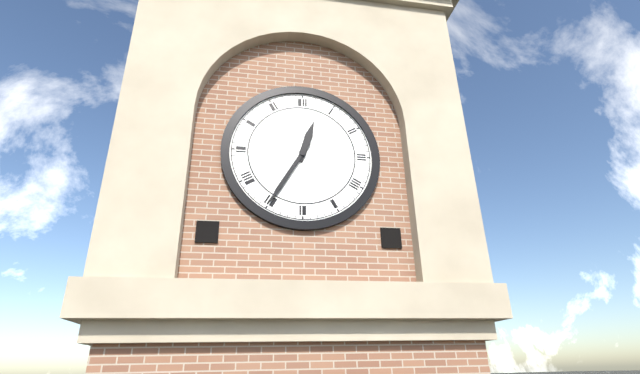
12:35
